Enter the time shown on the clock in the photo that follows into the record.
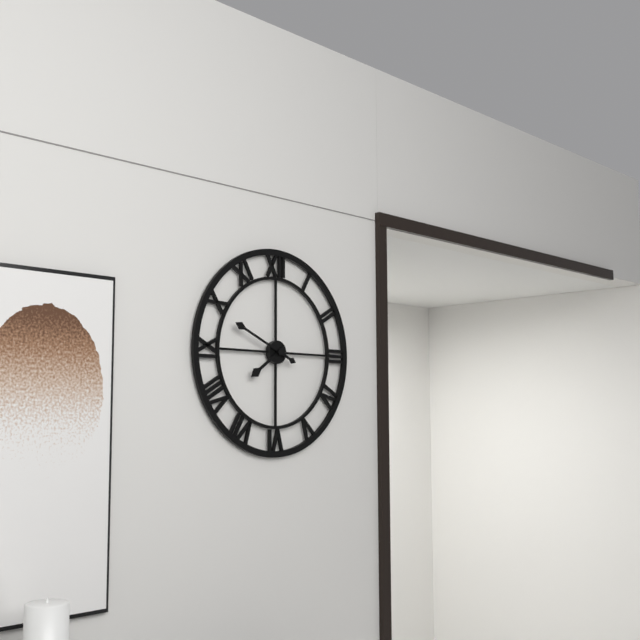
7:49
